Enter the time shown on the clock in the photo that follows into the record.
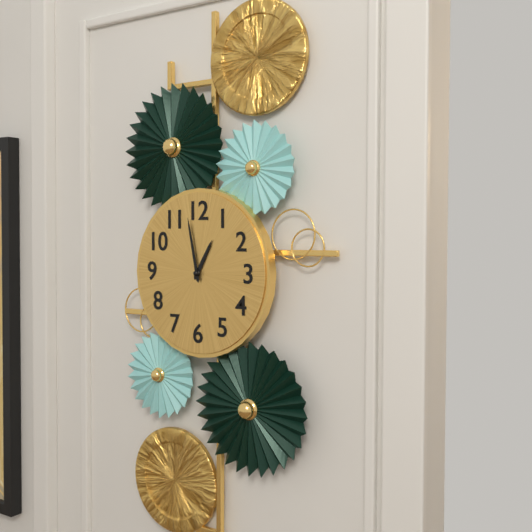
12:58
